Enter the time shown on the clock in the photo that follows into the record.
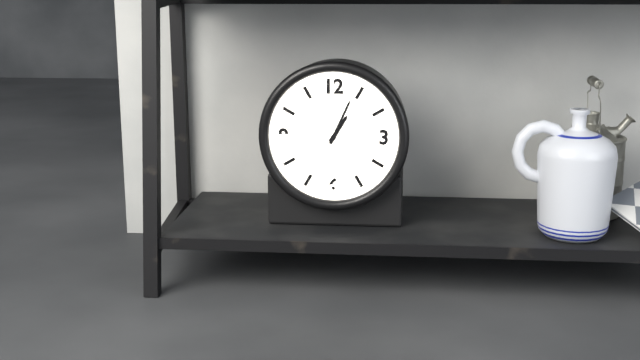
1:04
